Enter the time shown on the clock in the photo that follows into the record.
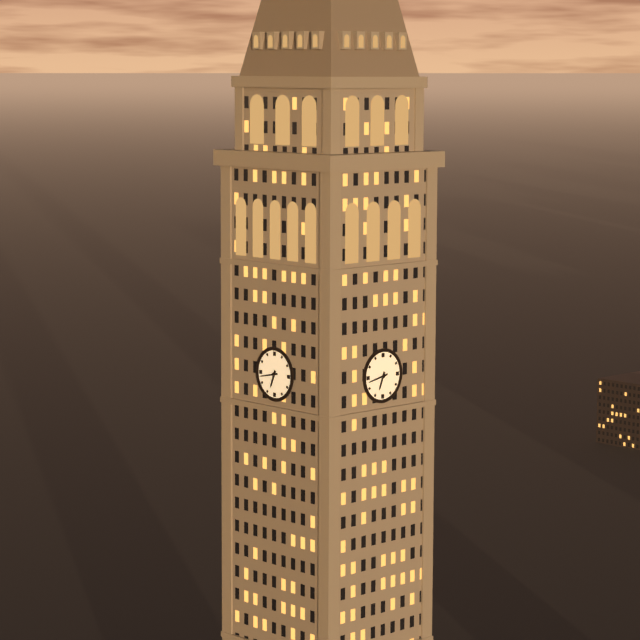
6:43
